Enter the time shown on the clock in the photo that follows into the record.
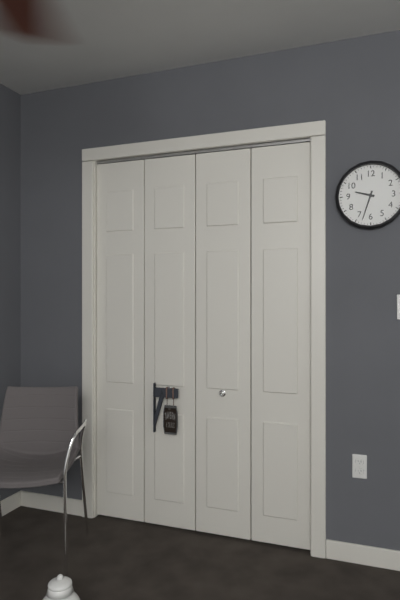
9:33
